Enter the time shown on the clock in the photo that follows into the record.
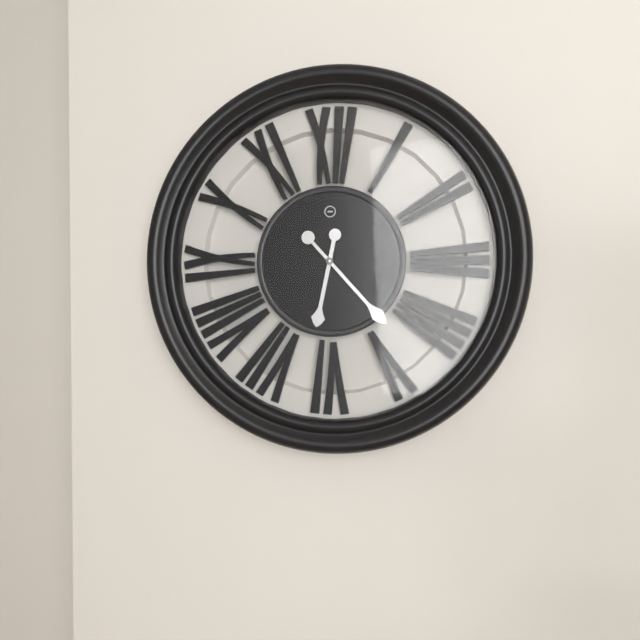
6:23
